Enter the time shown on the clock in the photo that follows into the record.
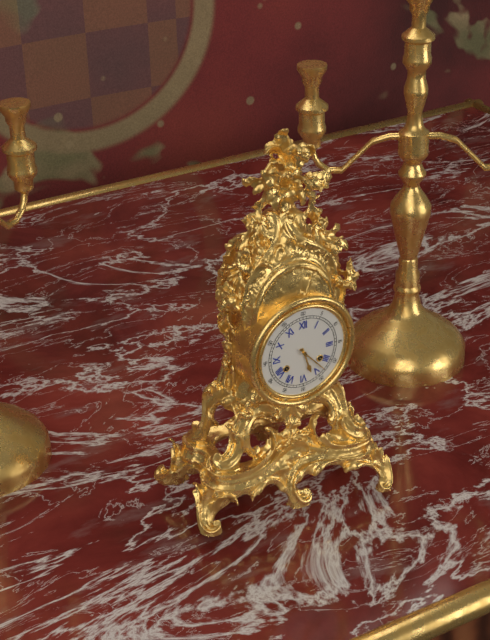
5:23
